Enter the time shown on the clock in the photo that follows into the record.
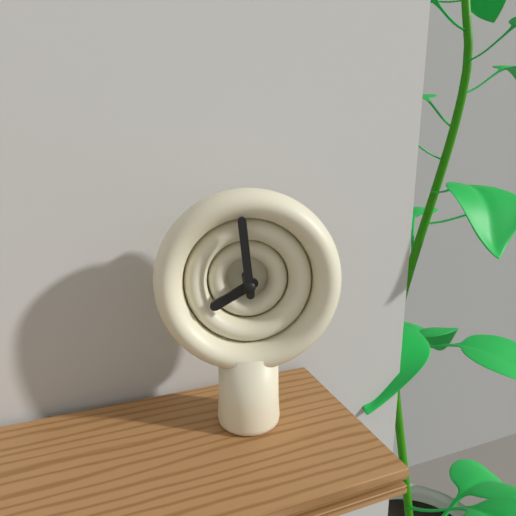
7:59
